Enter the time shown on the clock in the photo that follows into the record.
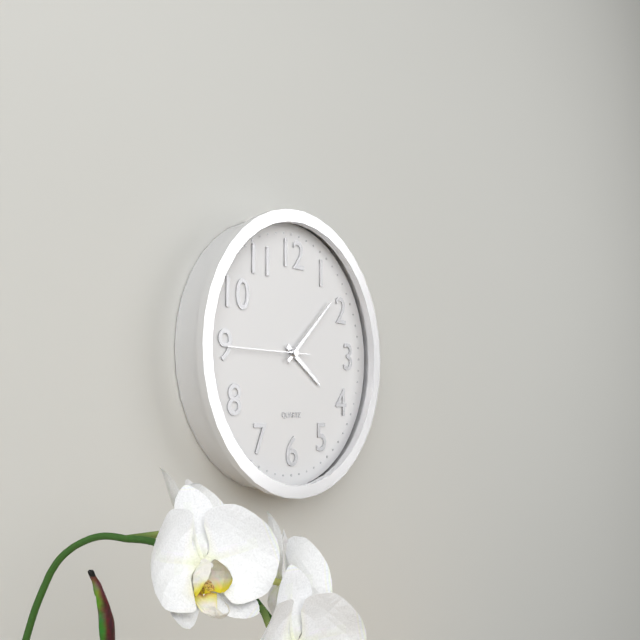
4:08:45
